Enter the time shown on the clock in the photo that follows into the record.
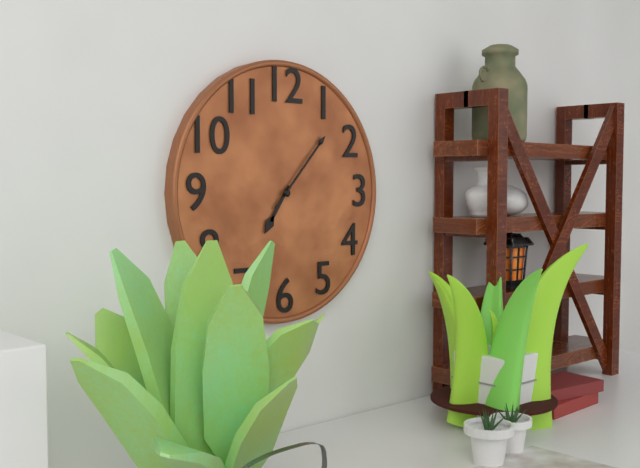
7:07
